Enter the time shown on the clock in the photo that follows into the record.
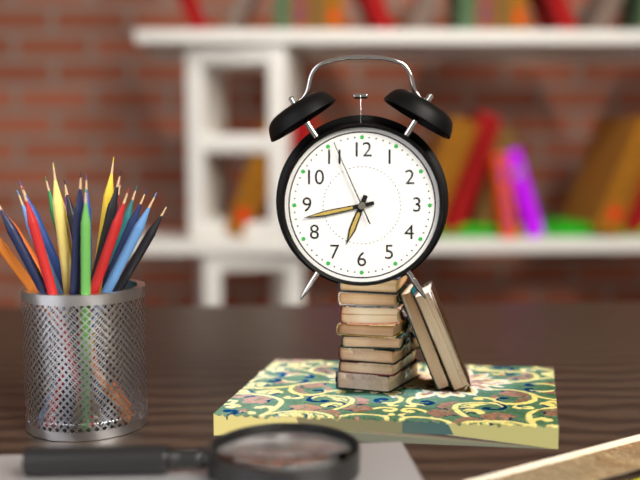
6:43:56
